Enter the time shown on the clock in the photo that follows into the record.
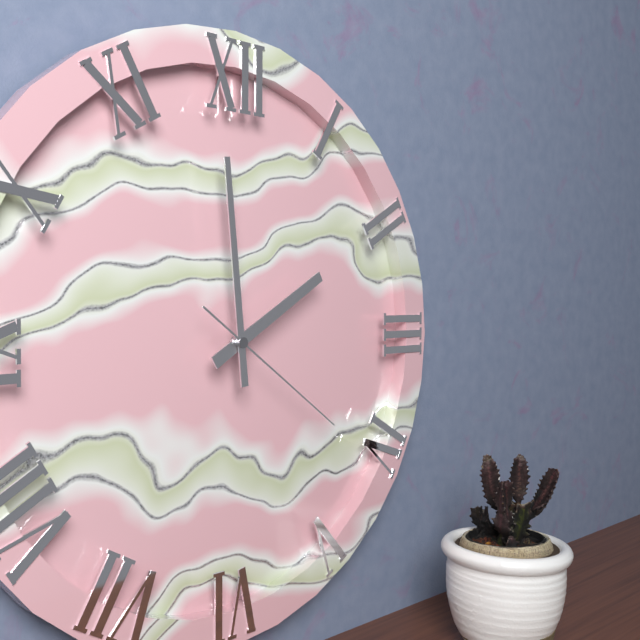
1:59:21
